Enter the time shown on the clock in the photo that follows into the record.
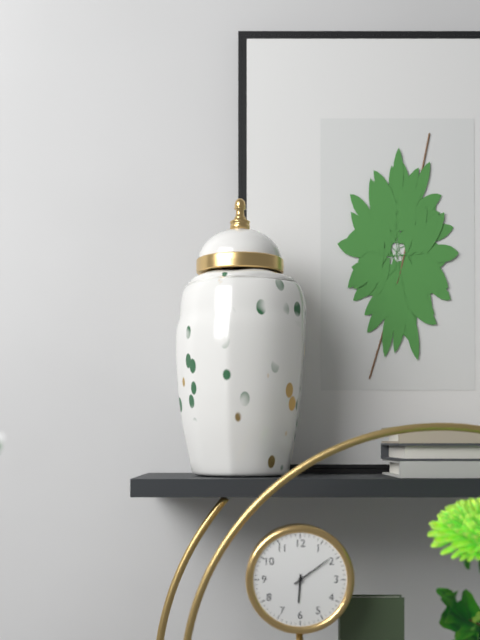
6:09
